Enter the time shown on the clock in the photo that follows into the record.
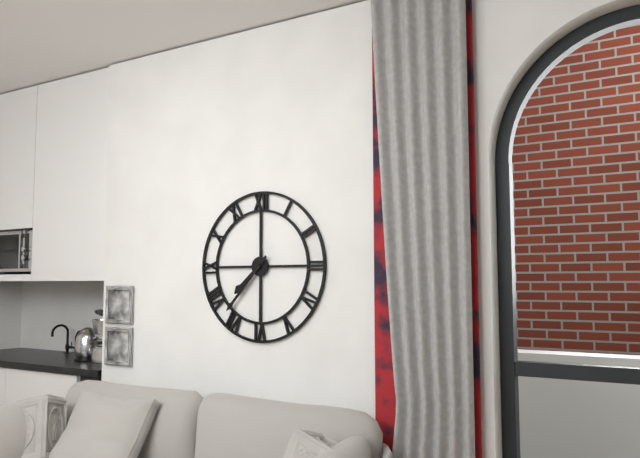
7:37
